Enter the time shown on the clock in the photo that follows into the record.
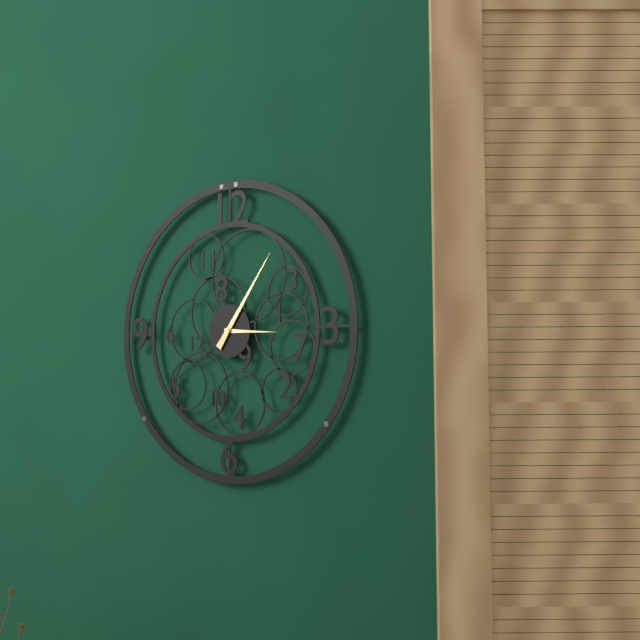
3:06
